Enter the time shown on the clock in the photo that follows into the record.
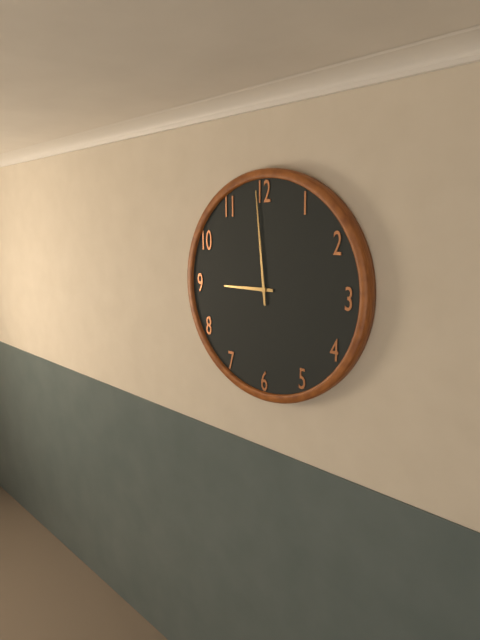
8:59
